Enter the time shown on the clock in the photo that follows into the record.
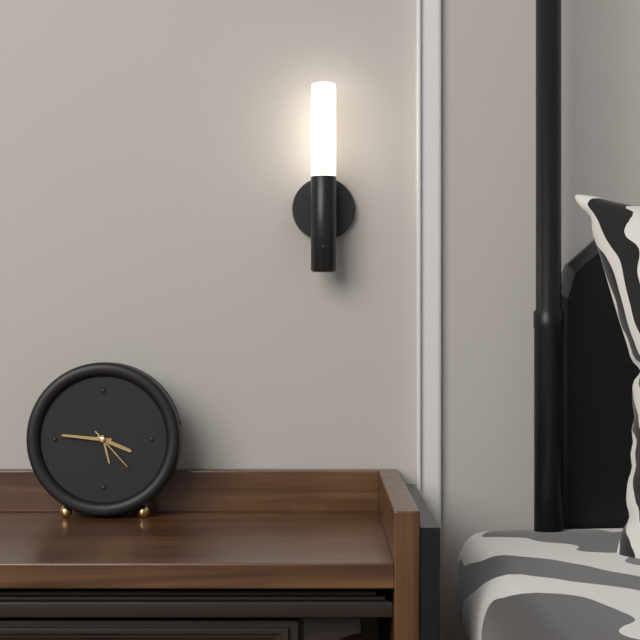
3:46
